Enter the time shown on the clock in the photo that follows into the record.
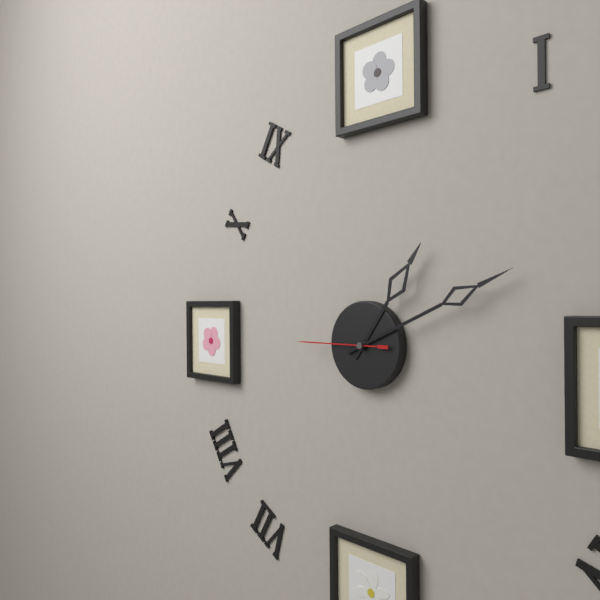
1:11:45
